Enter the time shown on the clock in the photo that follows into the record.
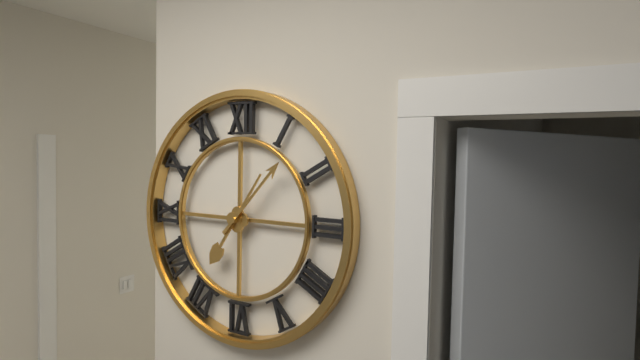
7:07
